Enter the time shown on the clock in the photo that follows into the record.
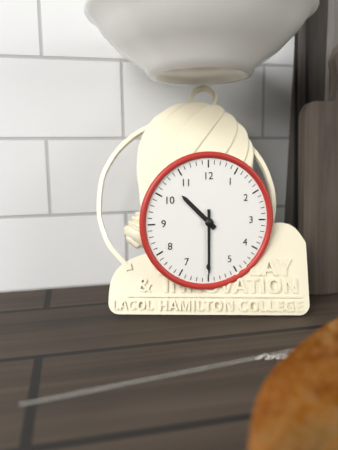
10:30
